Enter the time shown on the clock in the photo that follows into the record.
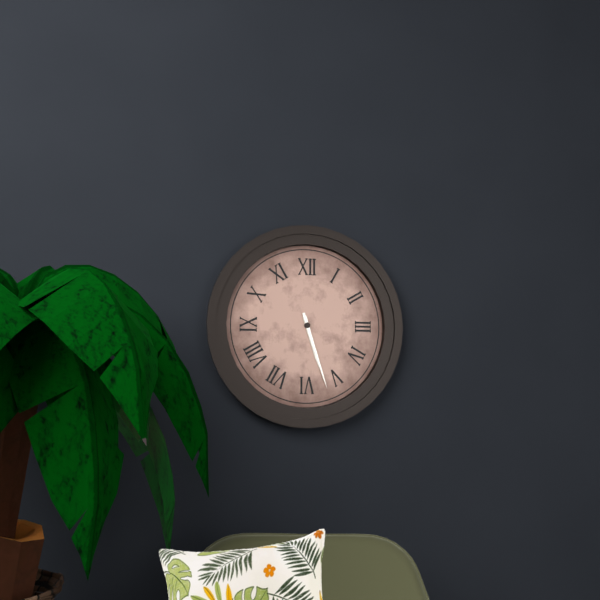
5:27
